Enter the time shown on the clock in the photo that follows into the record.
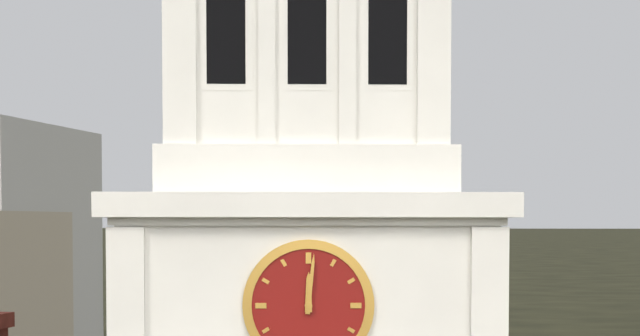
12:01
